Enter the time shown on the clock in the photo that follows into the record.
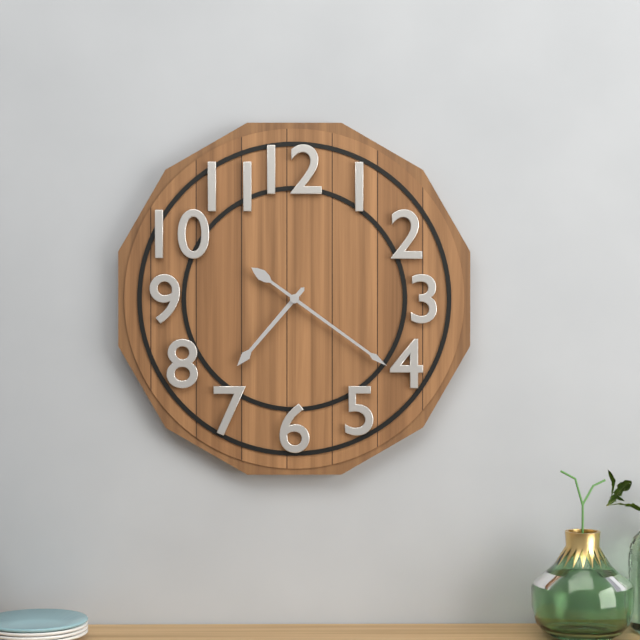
7:21
